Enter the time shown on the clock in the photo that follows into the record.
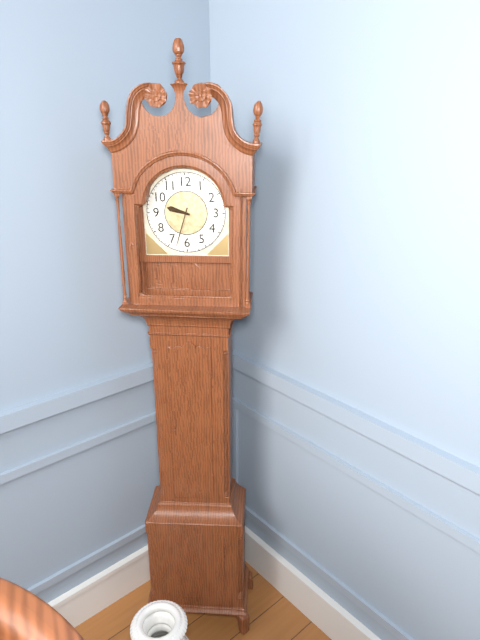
9:33
